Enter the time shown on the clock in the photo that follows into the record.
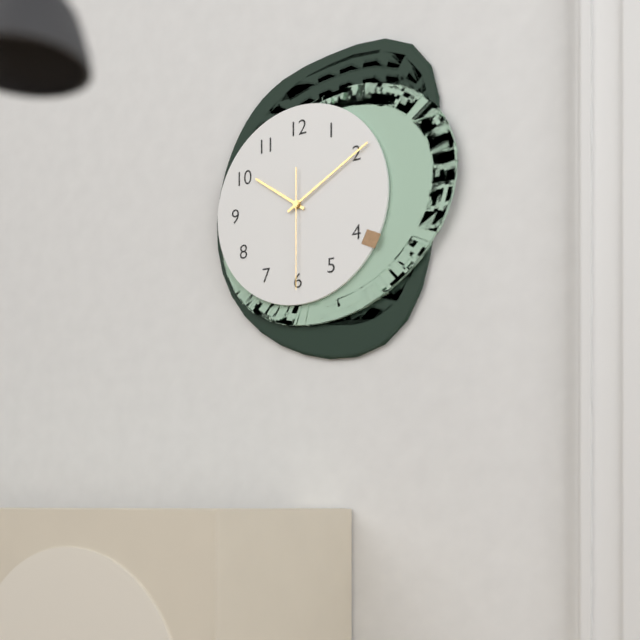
10:10:30
